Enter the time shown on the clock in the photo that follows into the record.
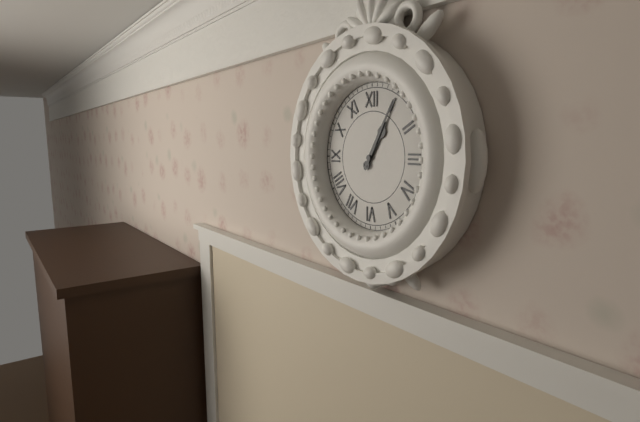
1:05
